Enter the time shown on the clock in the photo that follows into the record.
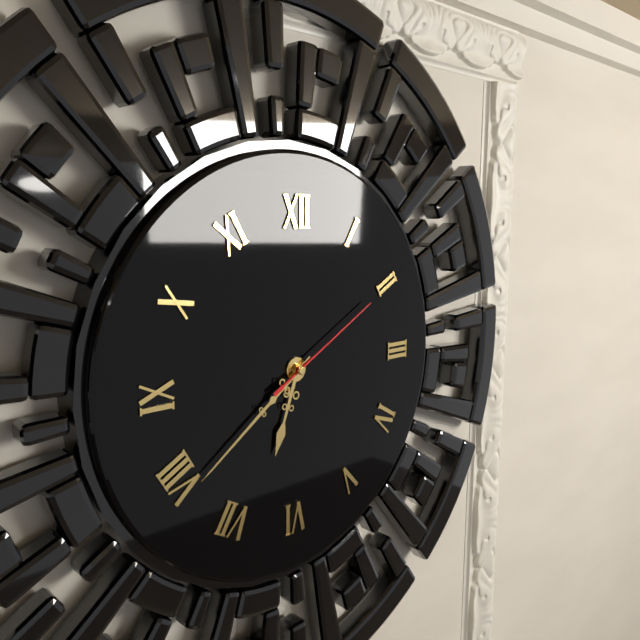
6:39:10
